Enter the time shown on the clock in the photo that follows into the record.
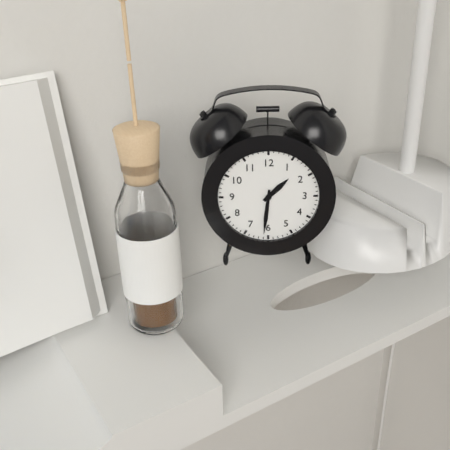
1:31
